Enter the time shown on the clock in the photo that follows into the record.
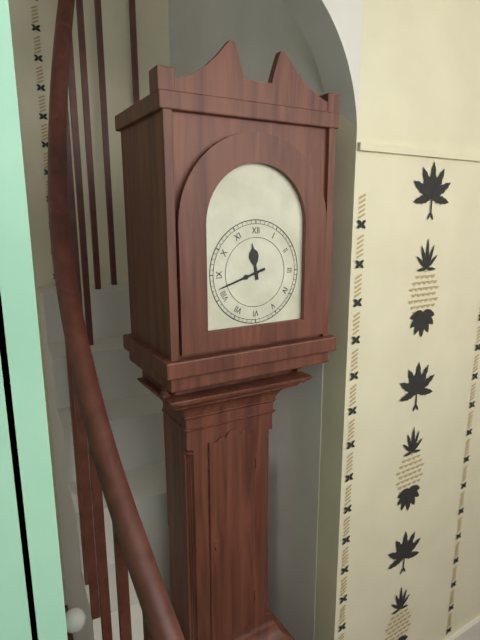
11:42
